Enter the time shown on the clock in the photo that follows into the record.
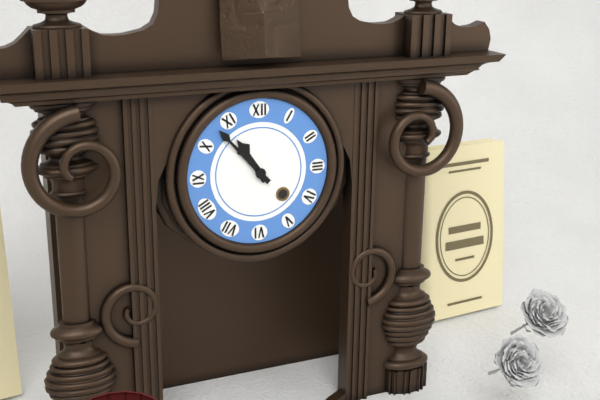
10:53
